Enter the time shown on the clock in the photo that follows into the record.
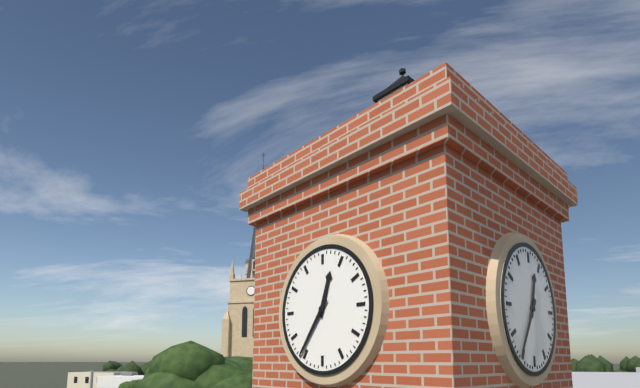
12:36
